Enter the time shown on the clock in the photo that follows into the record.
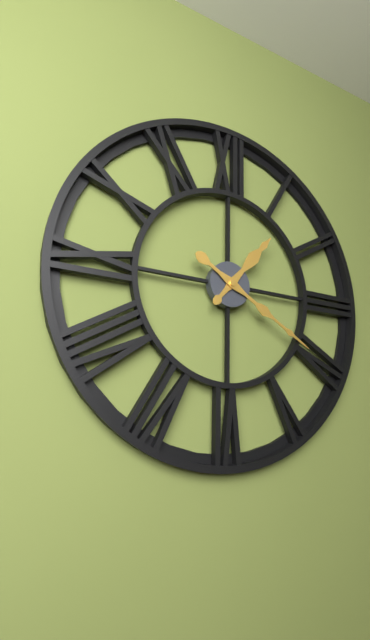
1:20
